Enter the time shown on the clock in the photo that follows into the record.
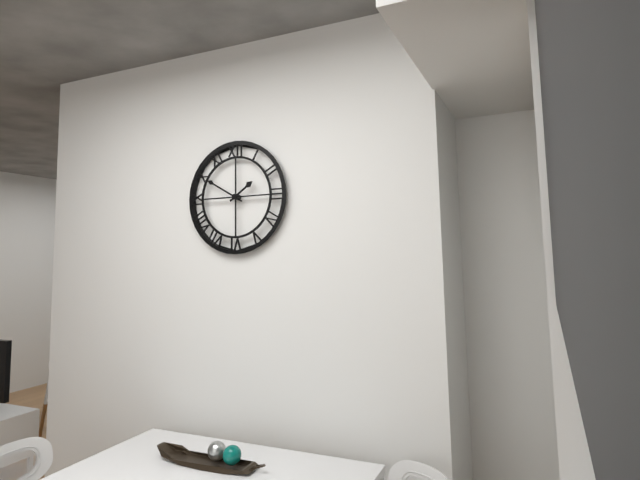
1:50
